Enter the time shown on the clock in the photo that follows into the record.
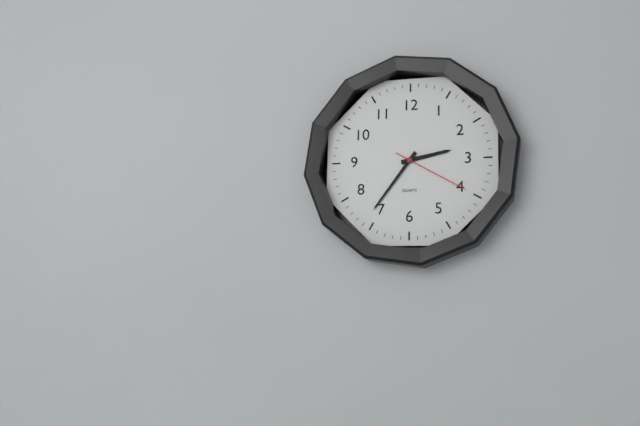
2:36:20
